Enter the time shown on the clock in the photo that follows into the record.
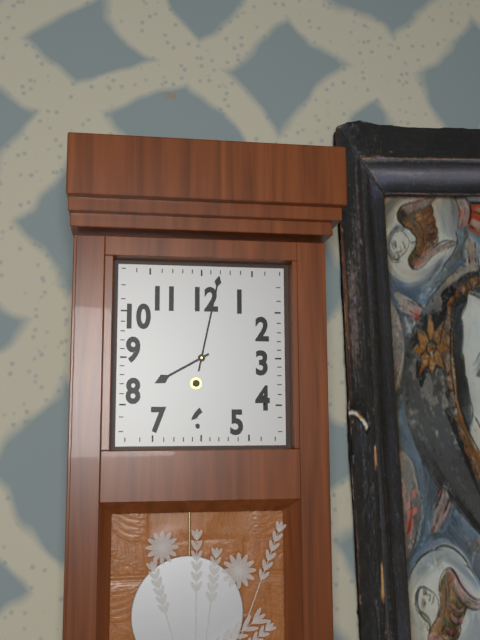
8:02
